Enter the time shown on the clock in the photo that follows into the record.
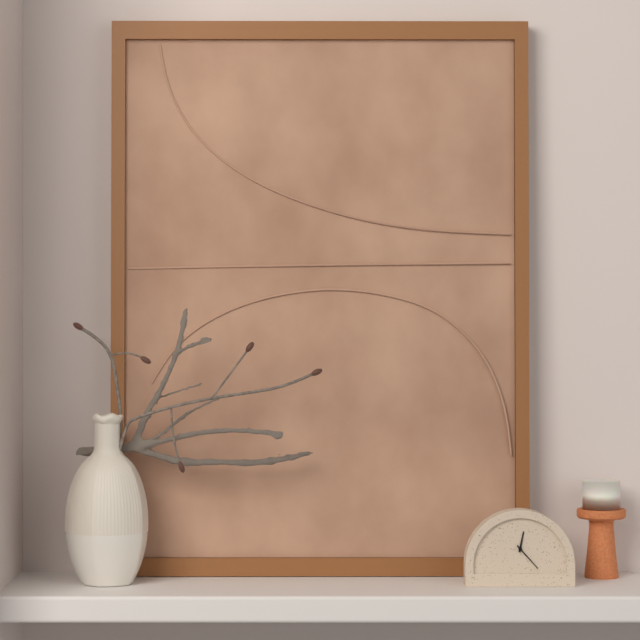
12:23
